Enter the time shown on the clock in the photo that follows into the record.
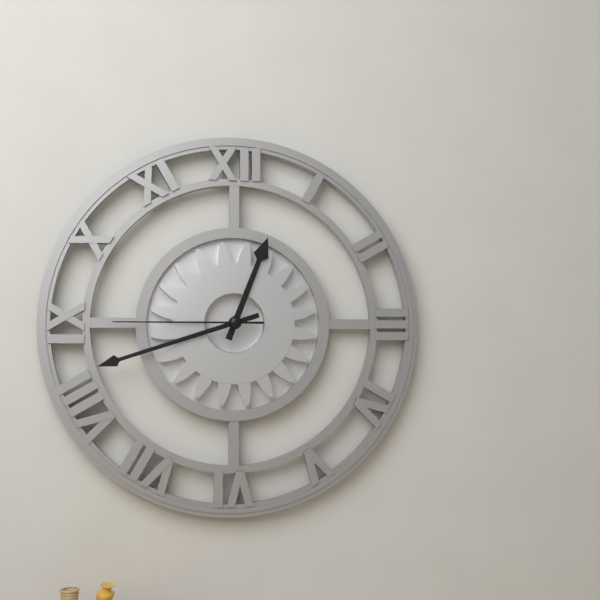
12:42:45
